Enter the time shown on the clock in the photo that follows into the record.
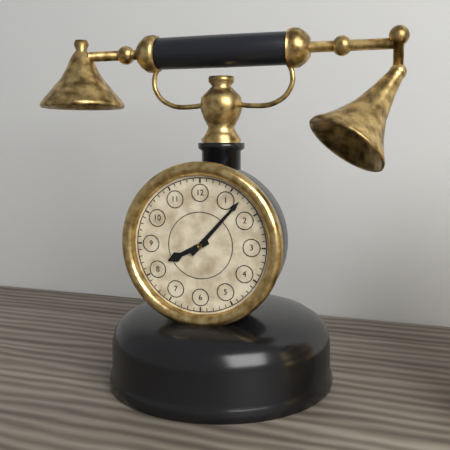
8:07
